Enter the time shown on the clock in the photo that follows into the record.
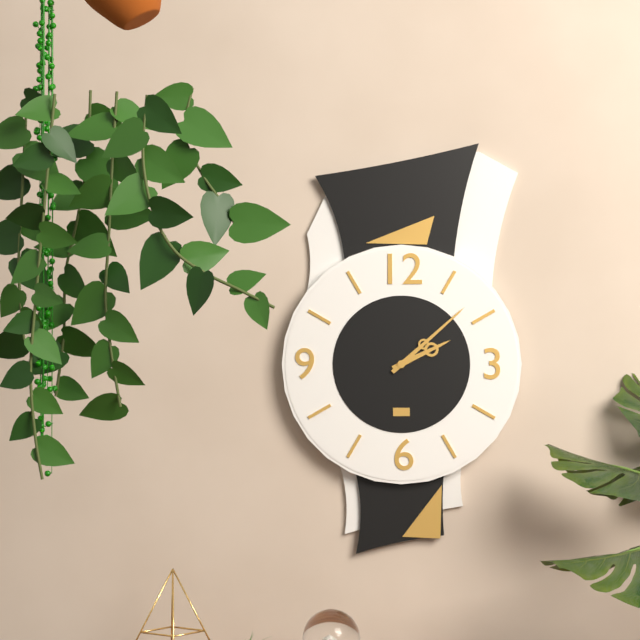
2:08
